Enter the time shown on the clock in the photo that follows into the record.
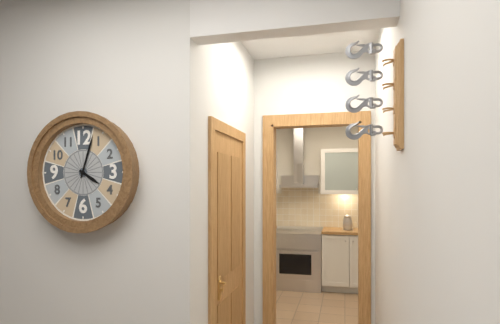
4:03
